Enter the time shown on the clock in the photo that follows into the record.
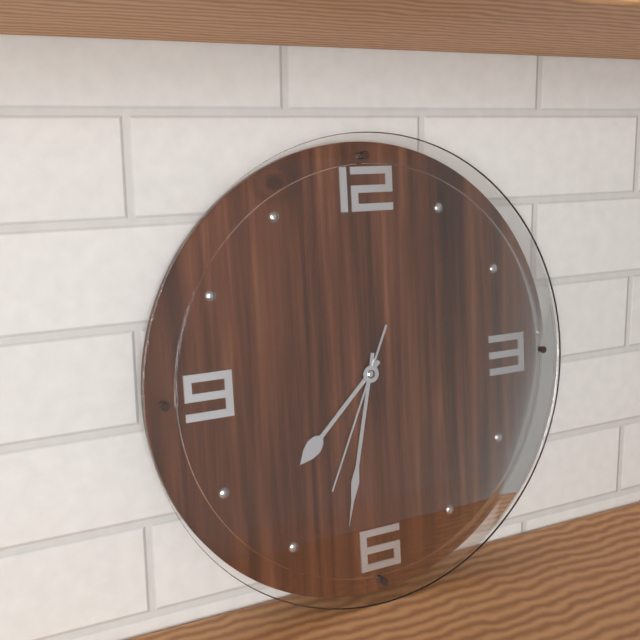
7:32:34
